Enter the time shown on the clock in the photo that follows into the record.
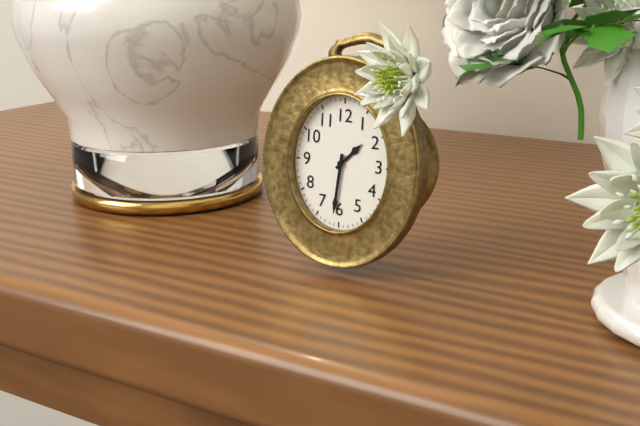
1:31
